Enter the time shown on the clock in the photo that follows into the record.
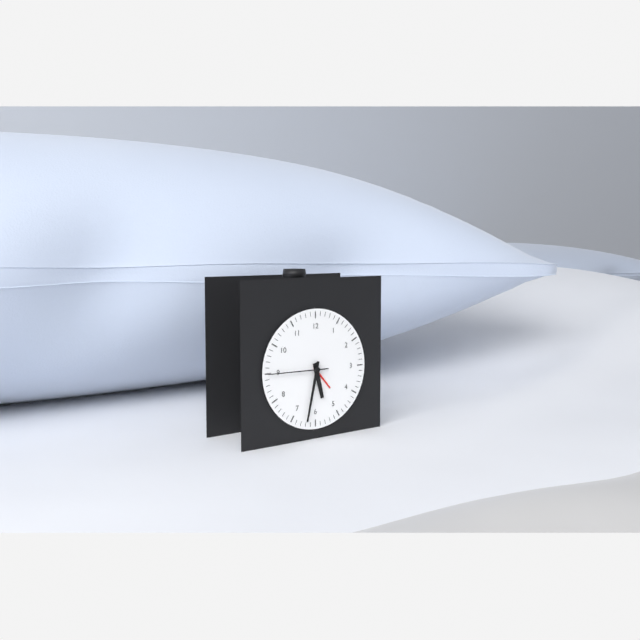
5:32:45
